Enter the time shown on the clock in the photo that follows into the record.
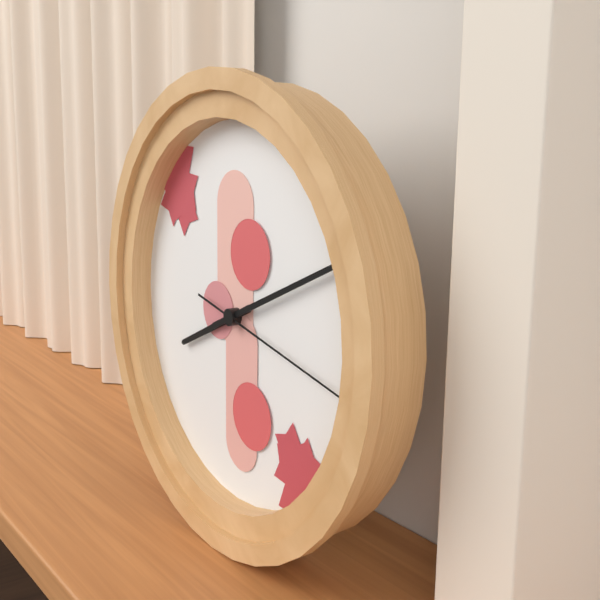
8:11:17
